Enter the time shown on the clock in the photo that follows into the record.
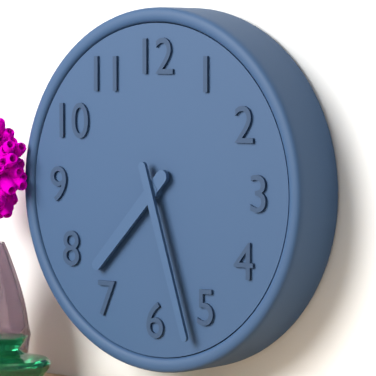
7:27
